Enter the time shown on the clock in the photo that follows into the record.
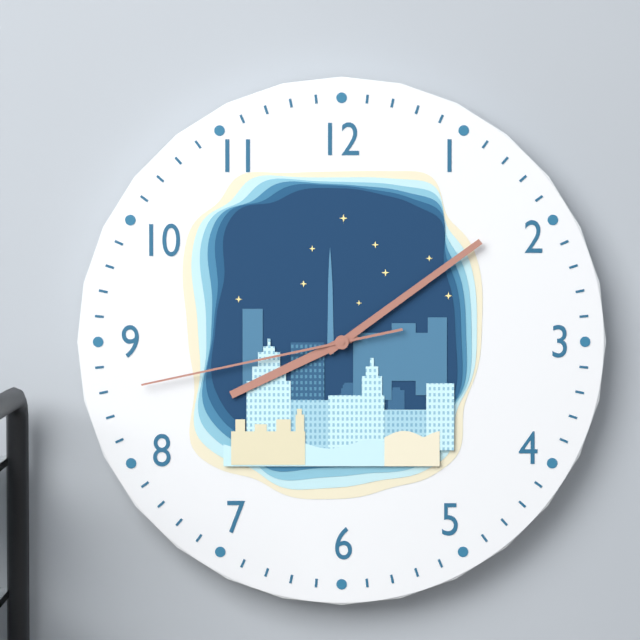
8:09:43
